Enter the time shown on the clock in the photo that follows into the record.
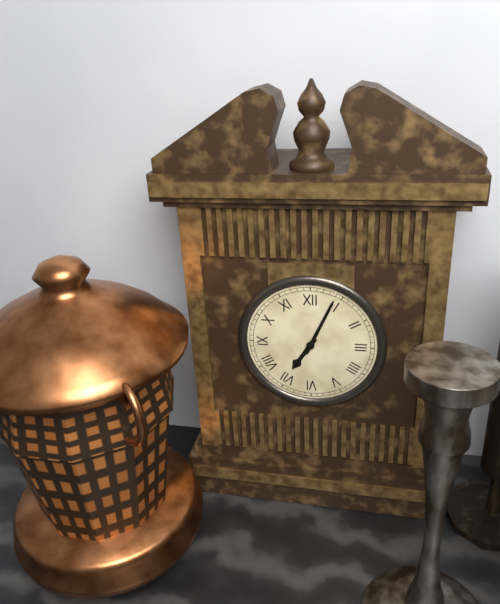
7:04
